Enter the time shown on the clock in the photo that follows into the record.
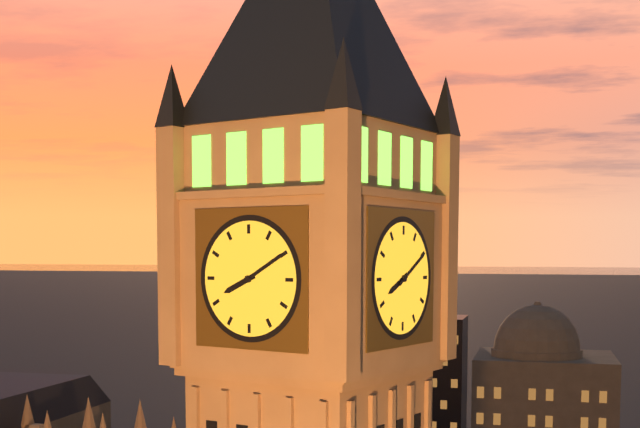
8:10
